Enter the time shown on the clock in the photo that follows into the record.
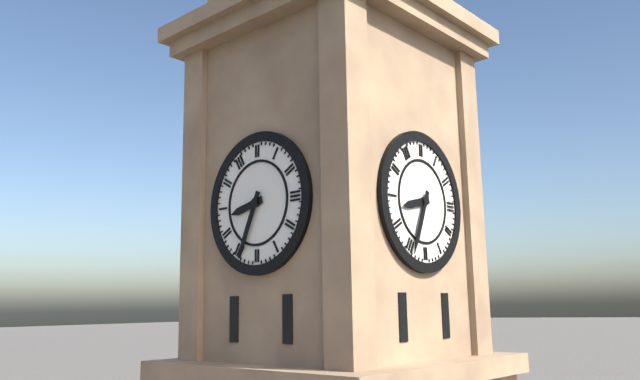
8:34
